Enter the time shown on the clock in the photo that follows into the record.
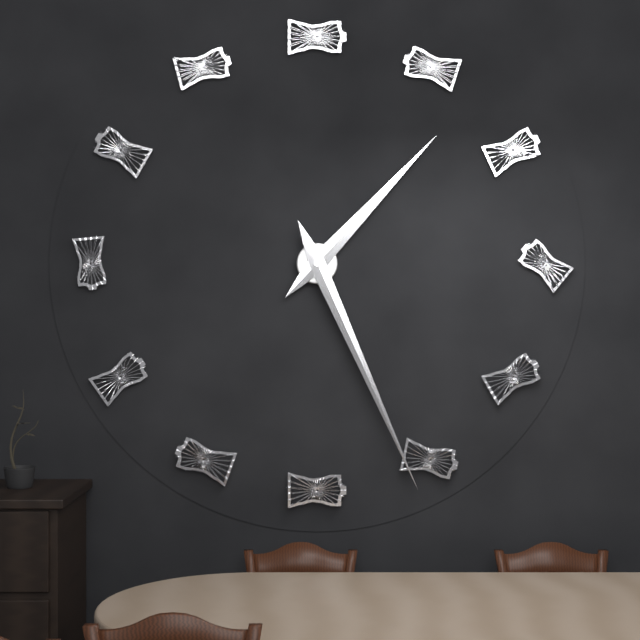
1:26
